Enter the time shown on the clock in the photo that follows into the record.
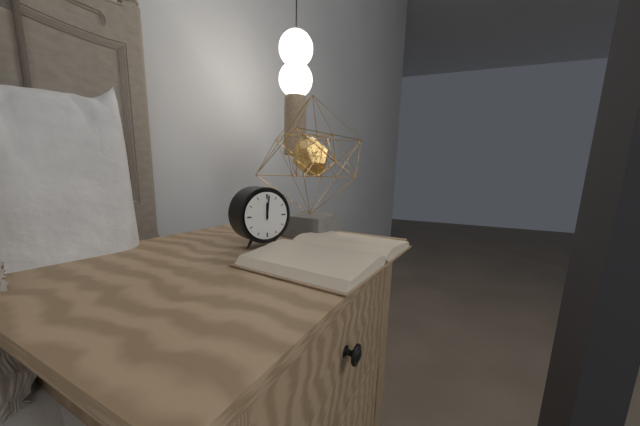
12:01
